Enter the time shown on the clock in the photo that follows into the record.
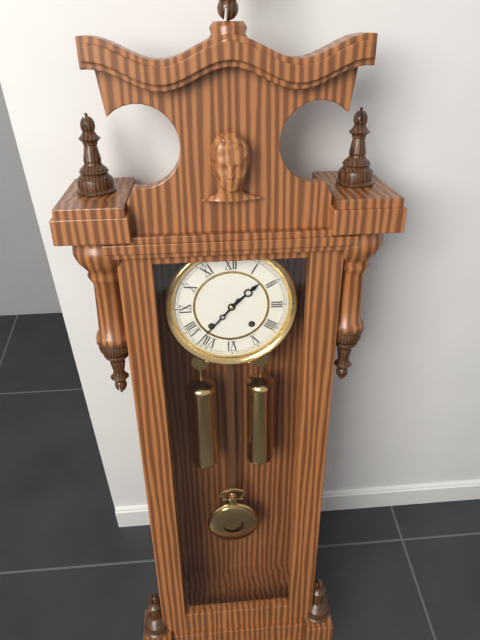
1:37
